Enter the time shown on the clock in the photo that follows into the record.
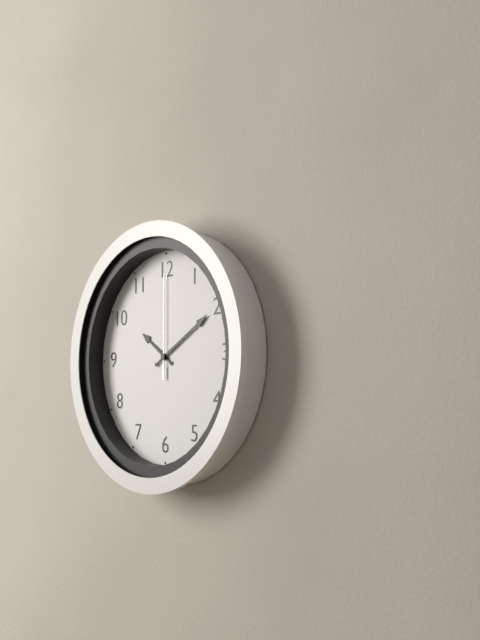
10:10:00
